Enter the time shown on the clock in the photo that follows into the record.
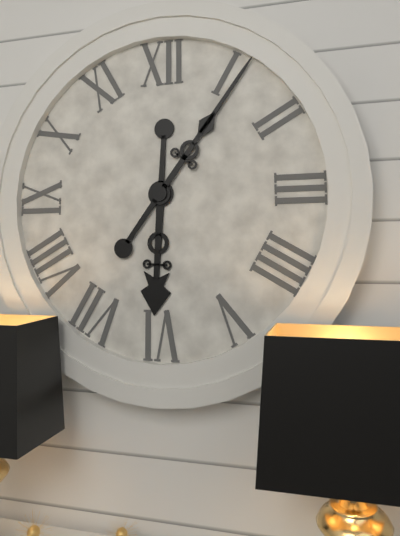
6:06
